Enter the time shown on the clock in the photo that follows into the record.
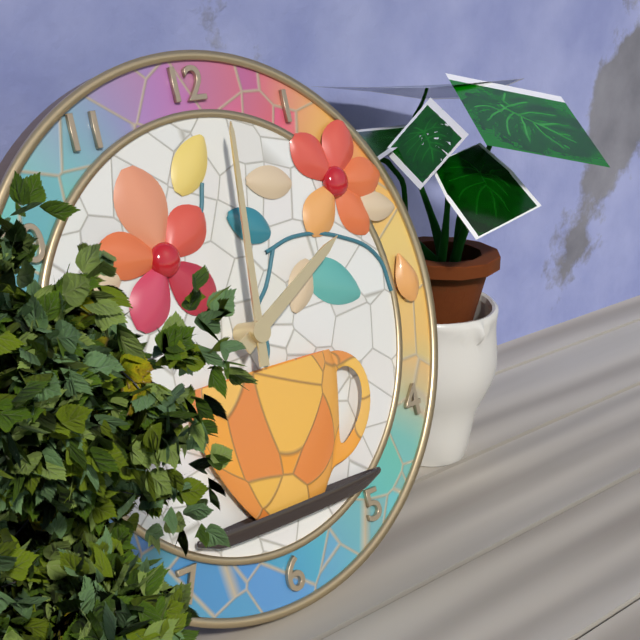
2:01
